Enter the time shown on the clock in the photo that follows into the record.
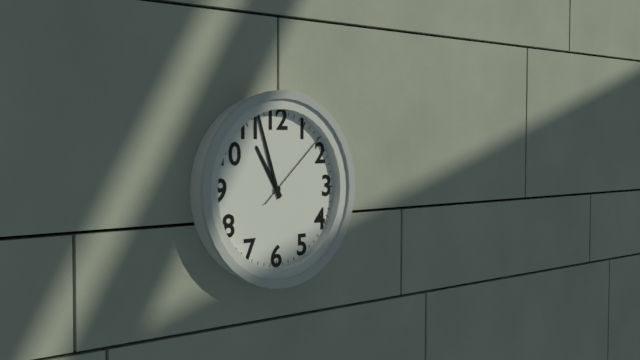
10:57:08
